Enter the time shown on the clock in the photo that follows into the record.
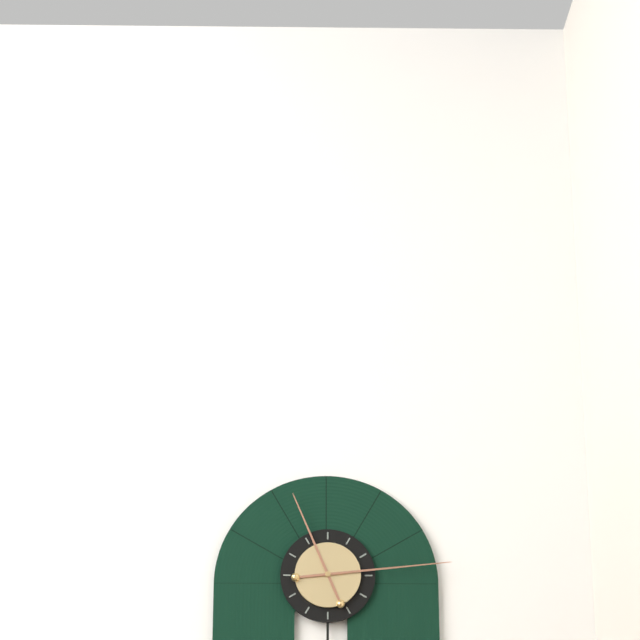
11:14
